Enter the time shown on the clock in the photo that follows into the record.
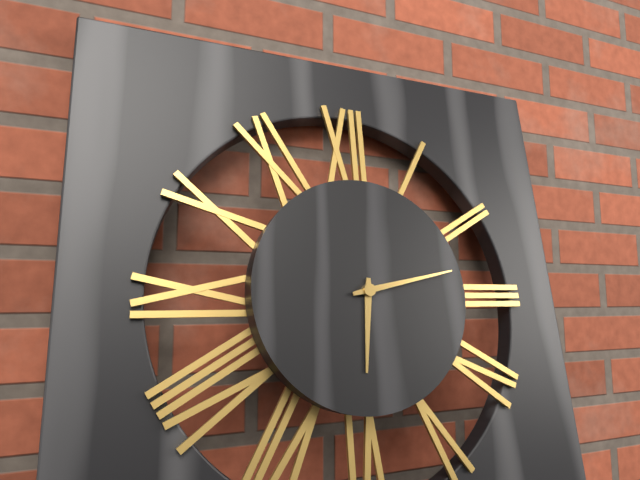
6:13
